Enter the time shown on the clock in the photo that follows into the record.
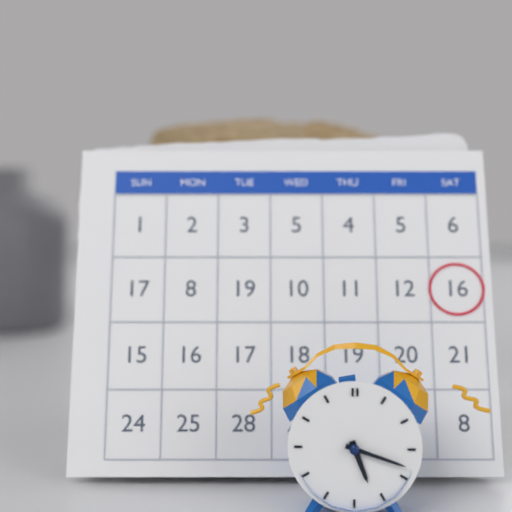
5:18
